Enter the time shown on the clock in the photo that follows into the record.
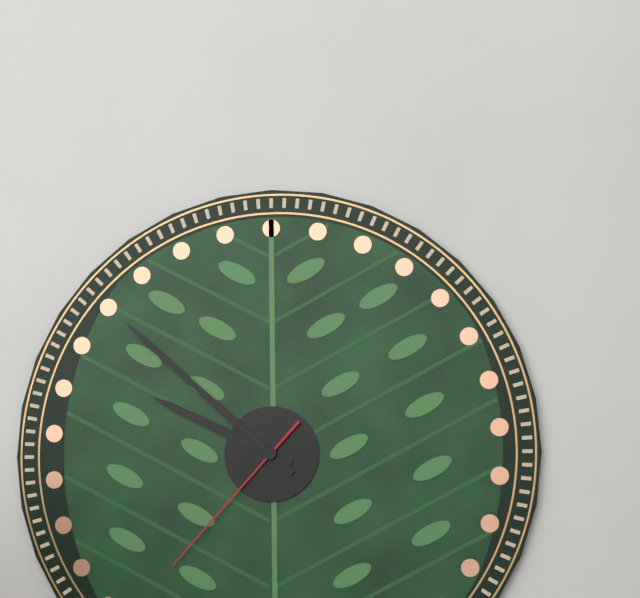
9:52:37
